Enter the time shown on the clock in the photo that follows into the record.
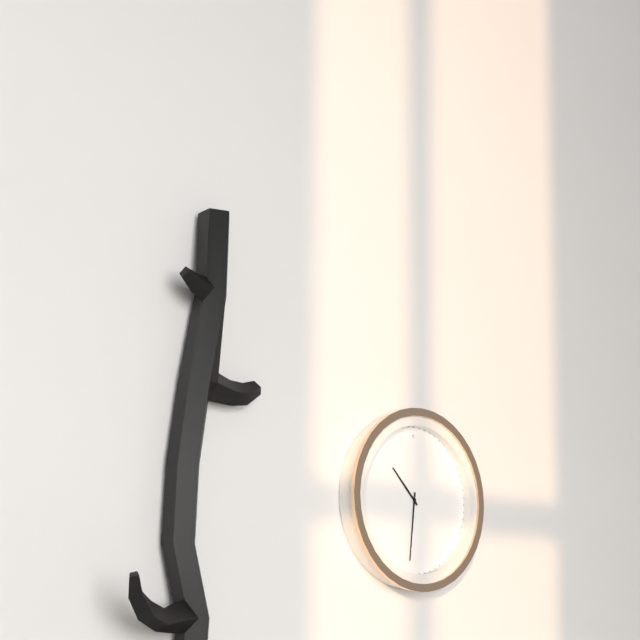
10:31
